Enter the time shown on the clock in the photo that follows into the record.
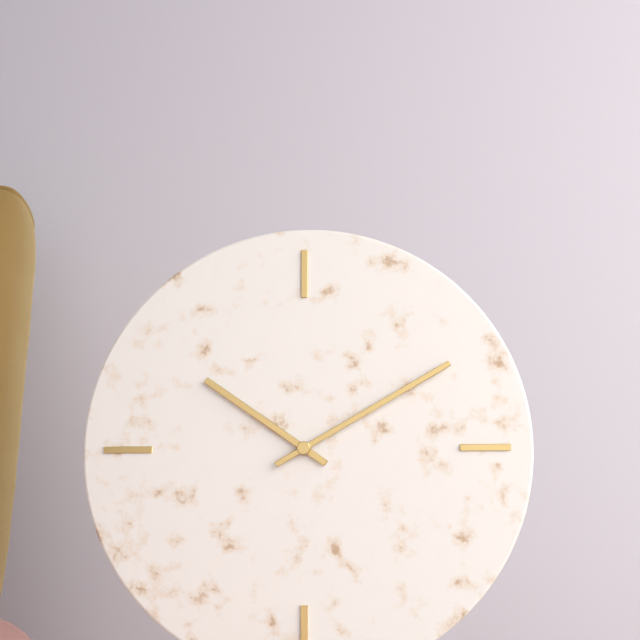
10:10
